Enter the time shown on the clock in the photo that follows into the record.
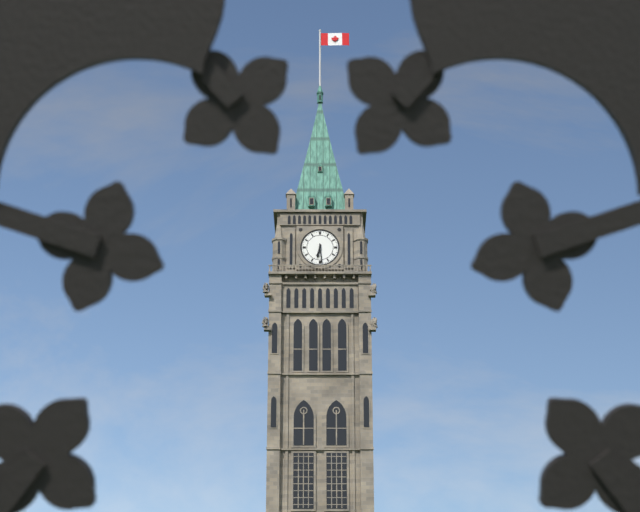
6:29
